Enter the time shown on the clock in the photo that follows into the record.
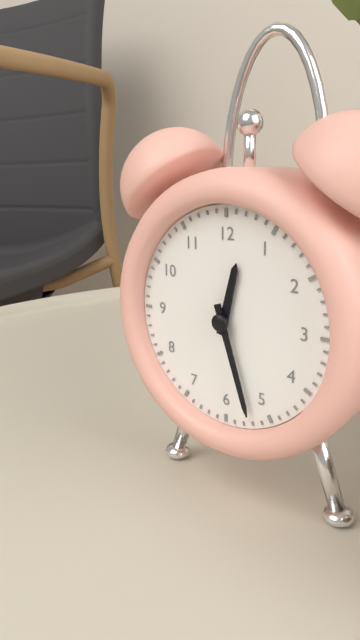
12:27
